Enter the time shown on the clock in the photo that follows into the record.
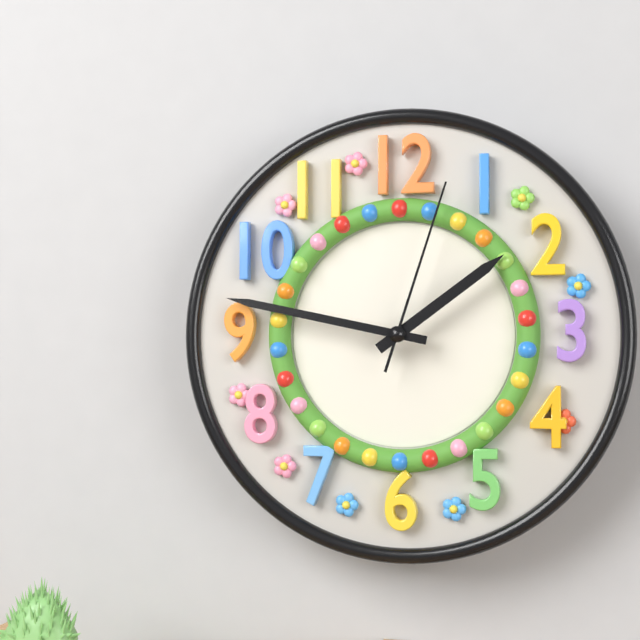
1:47:03
